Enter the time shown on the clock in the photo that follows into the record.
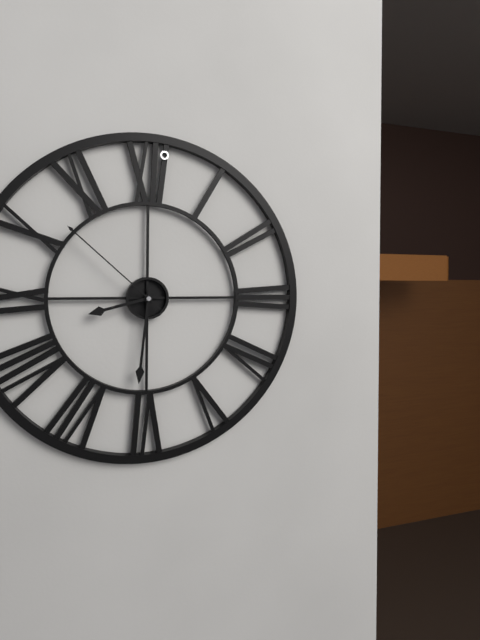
8:31:52
